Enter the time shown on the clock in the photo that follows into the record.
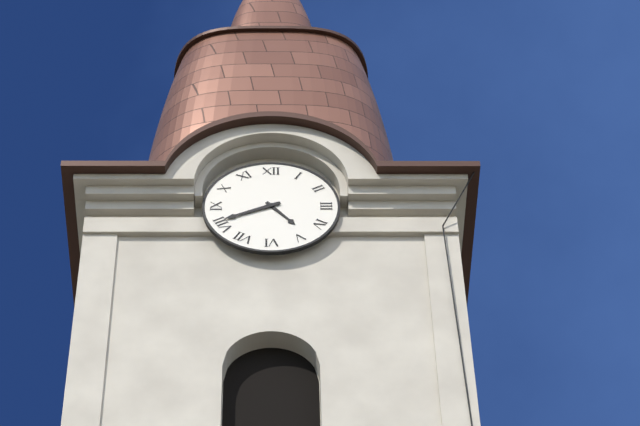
4:41
